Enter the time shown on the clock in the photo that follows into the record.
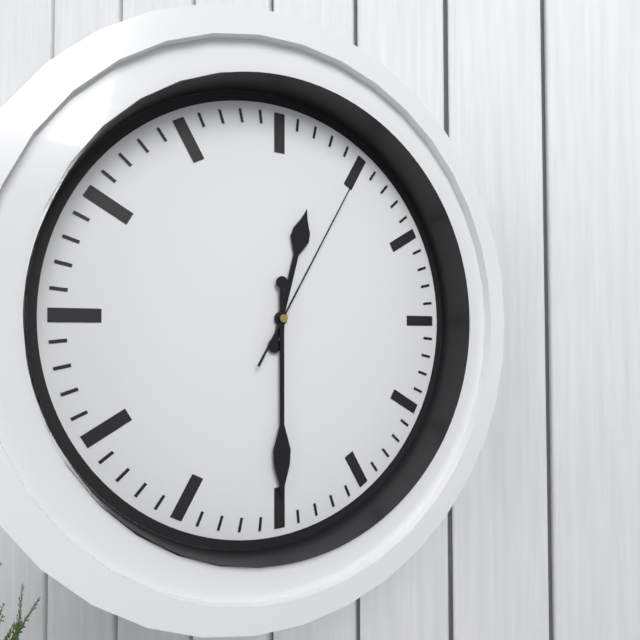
12:30:05
